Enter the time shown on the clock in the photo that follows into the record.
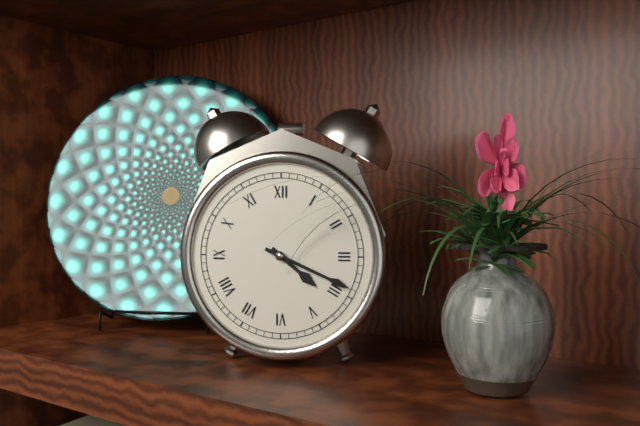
4:19
